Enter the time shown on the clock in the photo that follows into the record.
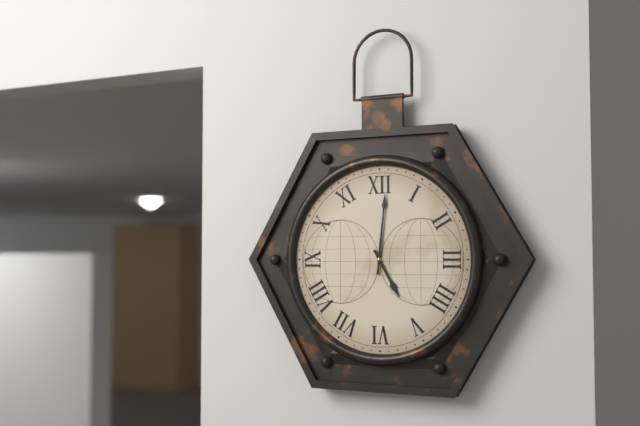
5:01
